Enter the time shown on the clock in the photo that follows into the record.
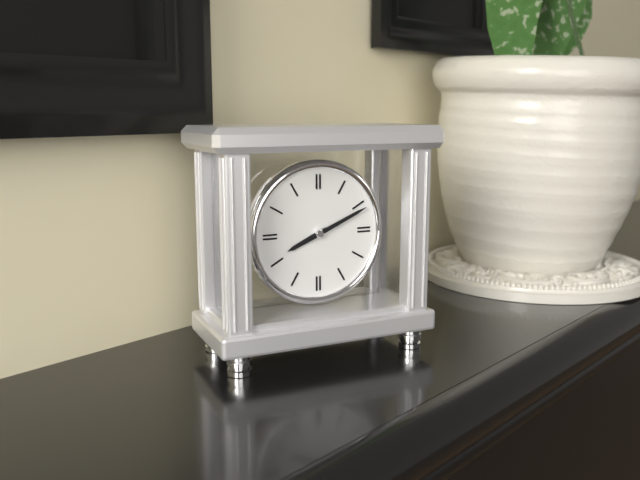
8:11
